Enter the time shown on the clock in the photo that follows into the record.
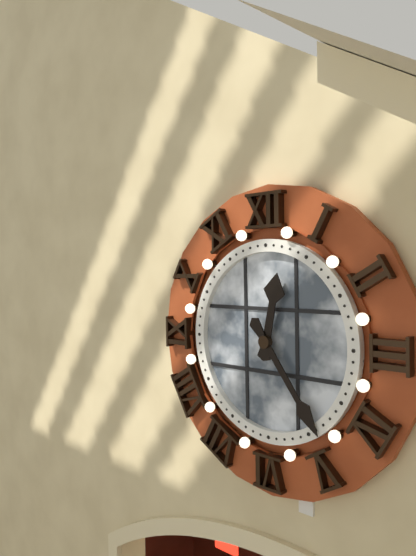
12:24
